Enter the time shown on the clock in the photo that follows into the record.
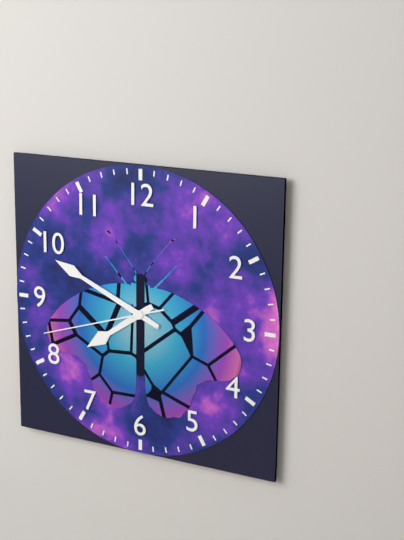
7:49:42
